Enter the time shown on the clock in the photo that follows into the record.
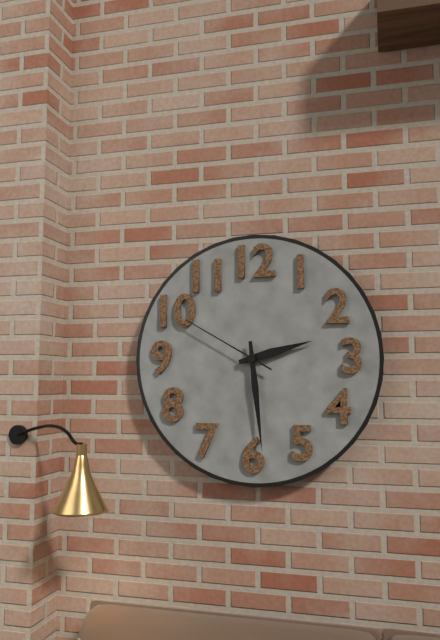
2:29:50
